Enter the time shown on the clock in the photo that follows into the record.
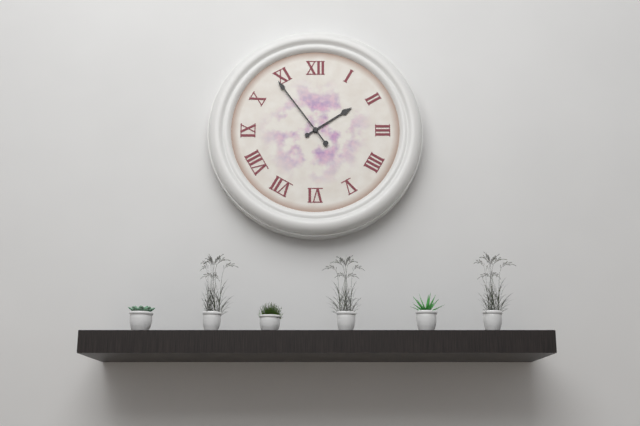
1:54
